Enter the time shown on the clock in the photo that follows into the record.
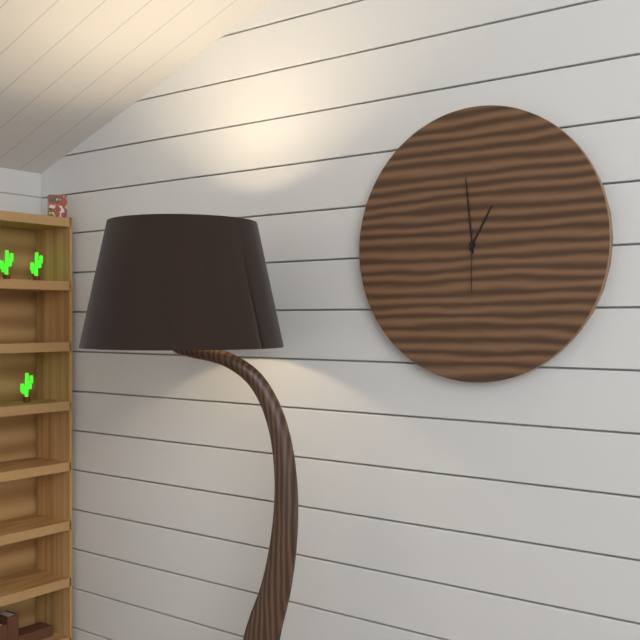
12:59:30
